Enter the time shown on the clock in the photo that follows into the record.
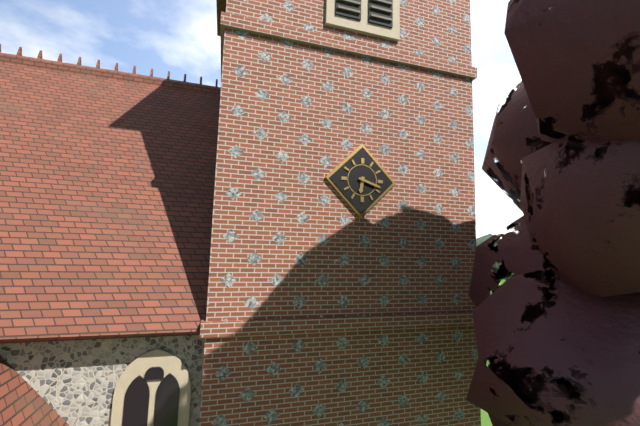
6:18
